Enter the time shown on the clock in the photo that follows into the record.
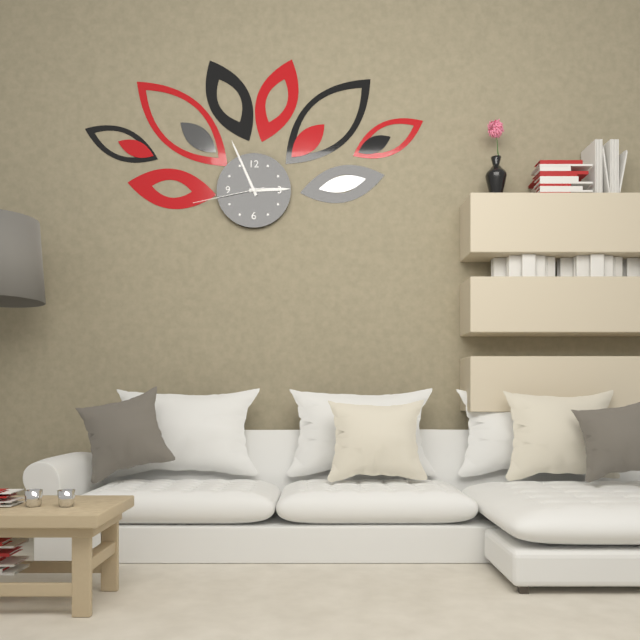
2:56:43
